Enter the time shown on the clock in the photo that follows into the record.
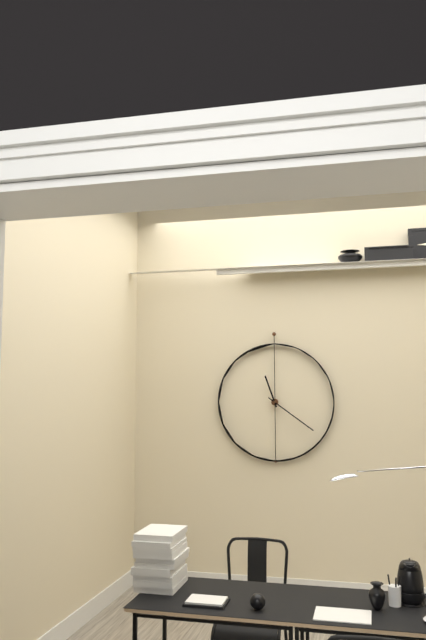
11:21
